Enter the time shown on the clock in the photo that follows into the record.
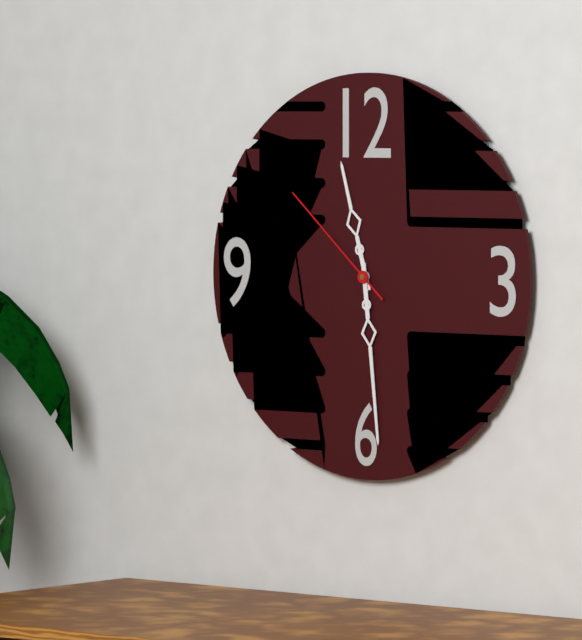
11:29:52
